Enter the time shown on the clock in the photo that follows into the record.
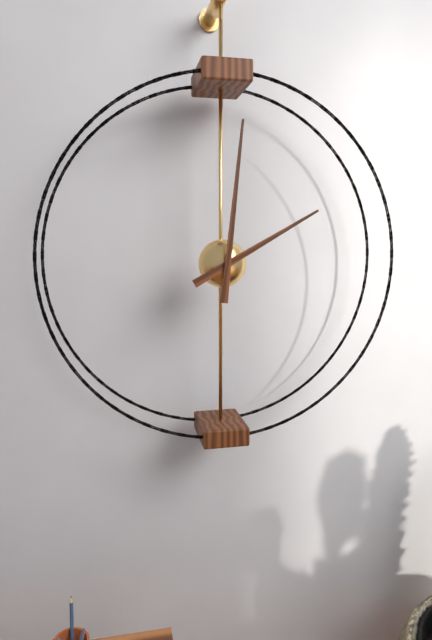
2:01
